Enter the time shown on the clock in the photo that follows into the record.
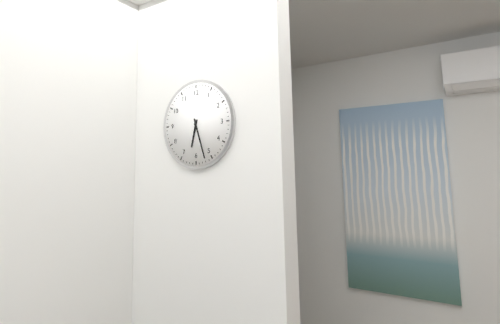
6:27
